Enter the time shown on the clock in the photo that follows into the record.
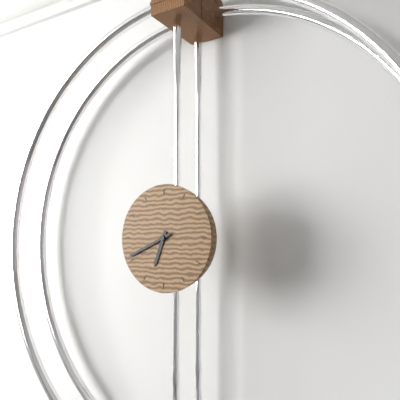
6:41
